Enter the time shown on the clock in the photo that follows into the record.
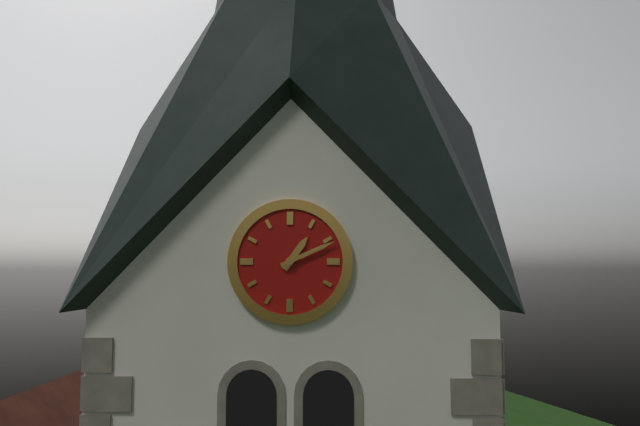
1:11
